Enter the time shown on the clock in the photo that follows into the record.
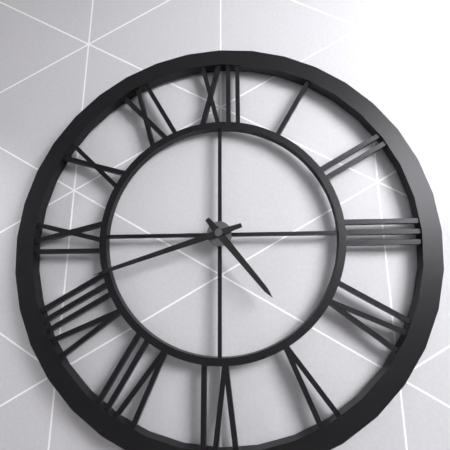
4:42
